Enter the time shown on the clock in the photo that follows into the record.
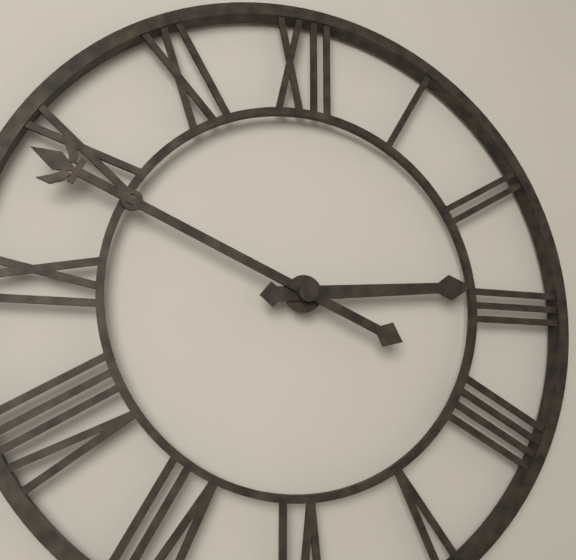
2:49
